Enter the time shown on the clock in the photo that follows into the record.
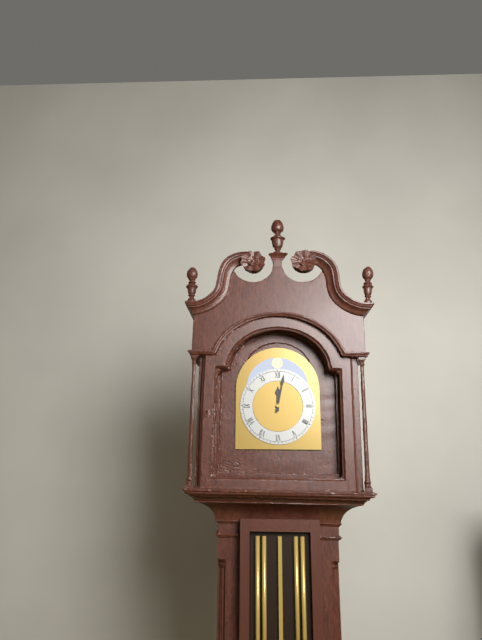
12:02
